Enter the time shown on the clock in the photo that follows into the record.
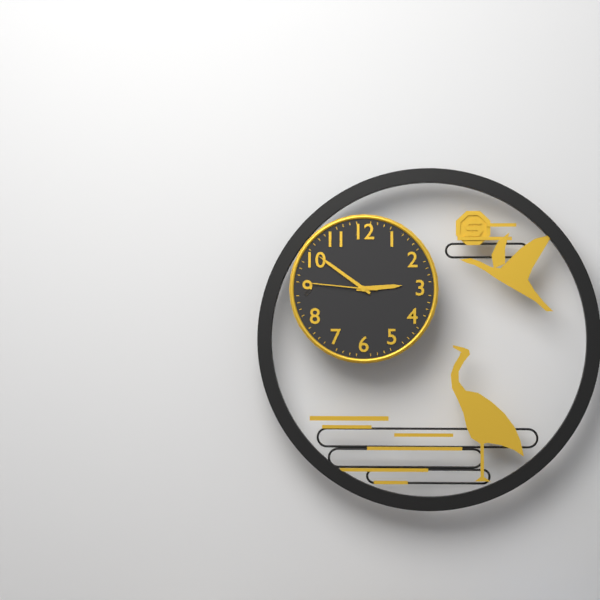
2:51:46
